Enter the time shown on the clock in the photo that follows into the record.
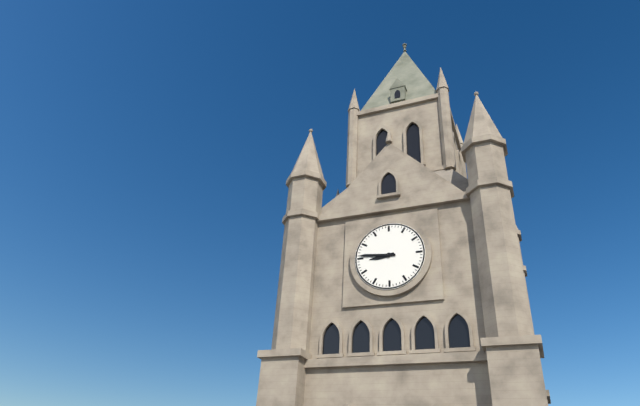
8:46
